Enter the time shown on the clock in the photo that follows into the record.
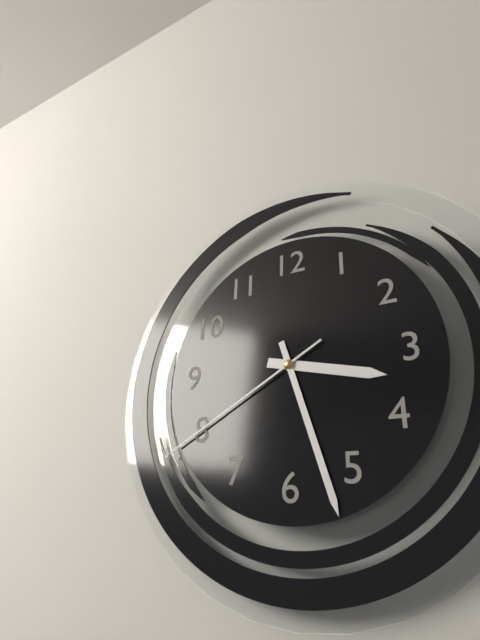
3:27:40
